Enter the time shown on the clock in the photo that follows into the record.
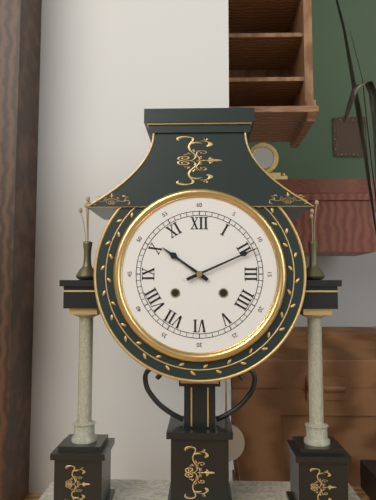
10:11
